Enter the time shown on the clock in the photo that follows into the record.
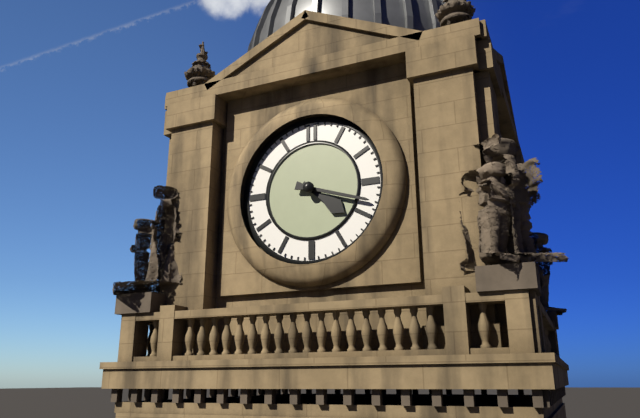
4:18
